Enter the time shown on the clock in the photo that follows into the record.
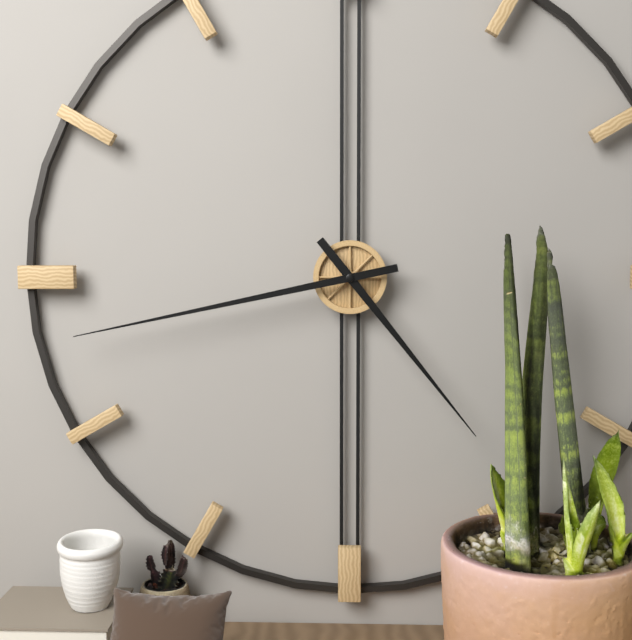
4:43
